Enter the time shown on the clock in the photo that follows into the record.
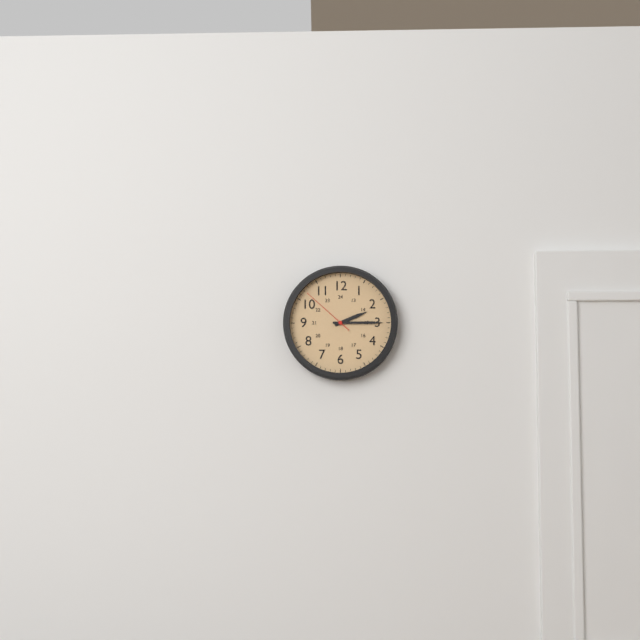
2:15:52
